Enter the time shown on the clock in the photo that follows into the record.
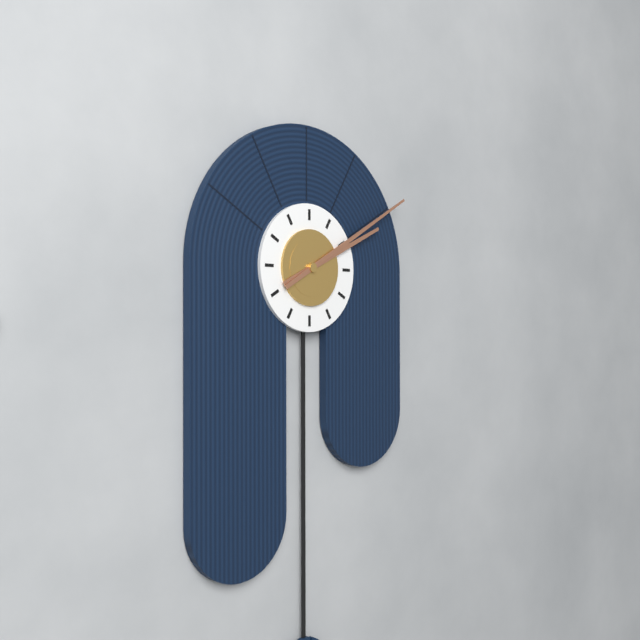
2:10
